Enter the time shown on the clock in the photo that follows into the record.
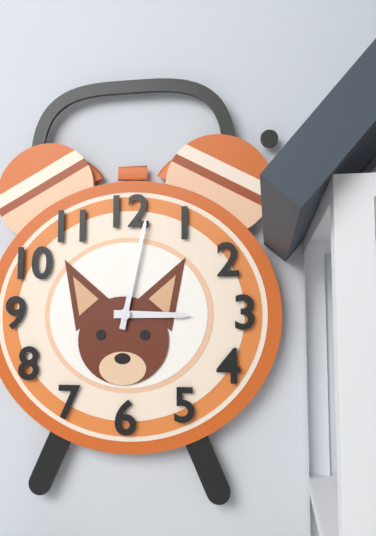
3:02
